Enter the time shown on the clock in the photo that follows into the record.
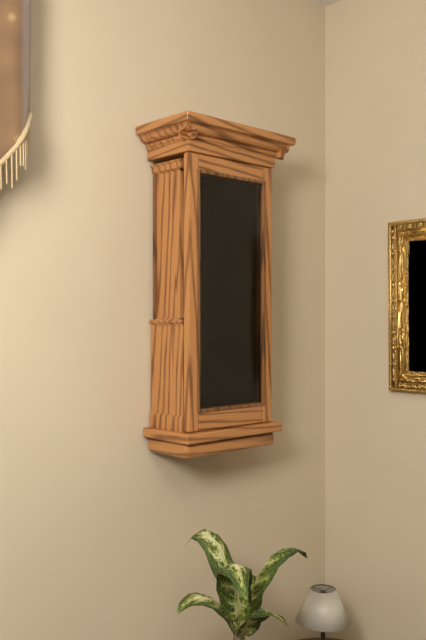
5:40
